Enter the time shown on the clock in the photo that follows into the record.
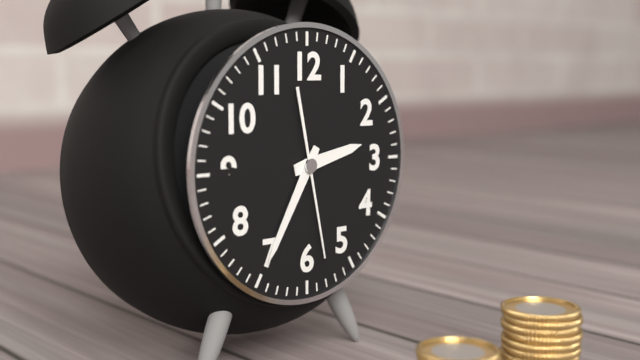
2:35:28
